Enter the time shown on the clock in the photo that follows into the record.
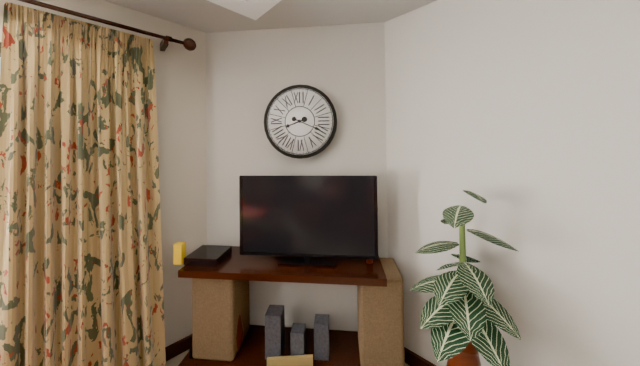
8:19
